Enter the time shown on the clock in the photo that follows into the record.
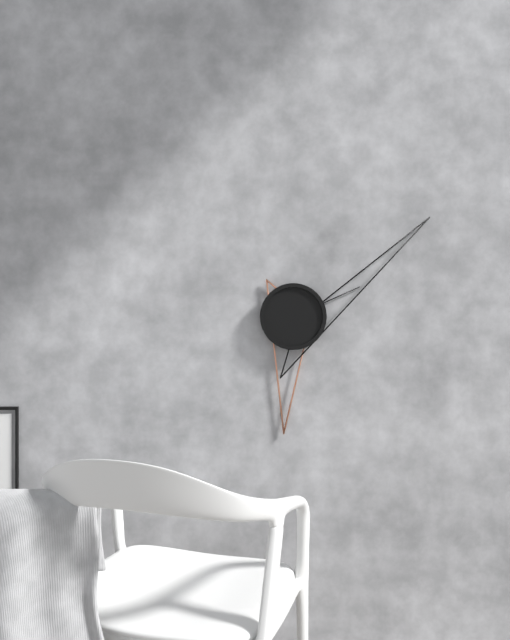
6:09:11
